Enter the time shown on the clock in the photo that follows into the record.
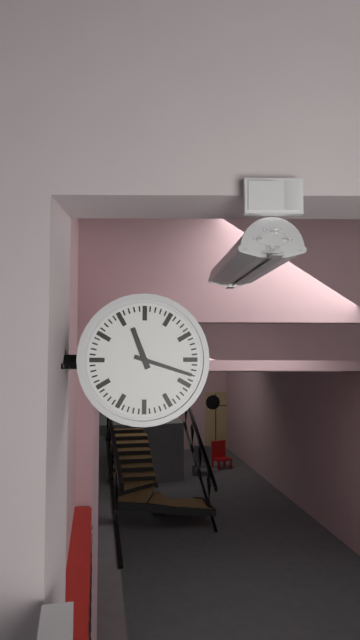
11:18
